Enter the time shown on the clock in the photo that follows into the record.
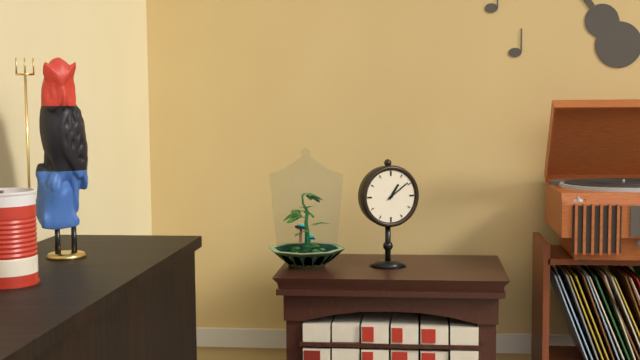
1:09
